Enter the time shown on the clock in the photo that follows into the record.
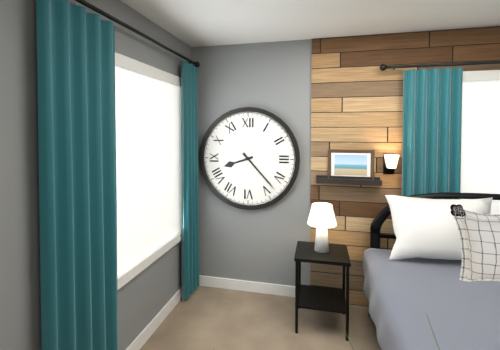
8:23
